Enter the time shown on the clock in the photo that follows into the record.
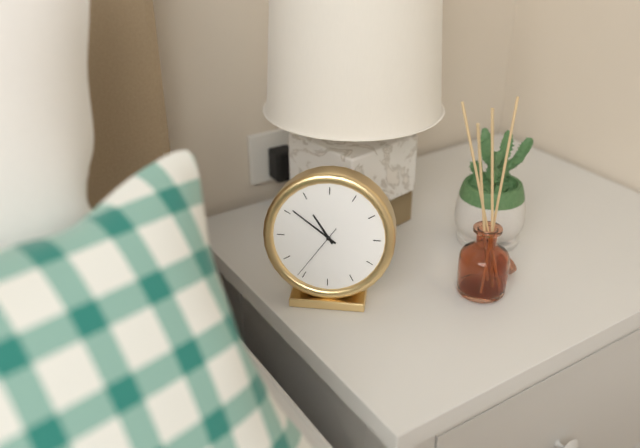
10:51:36
